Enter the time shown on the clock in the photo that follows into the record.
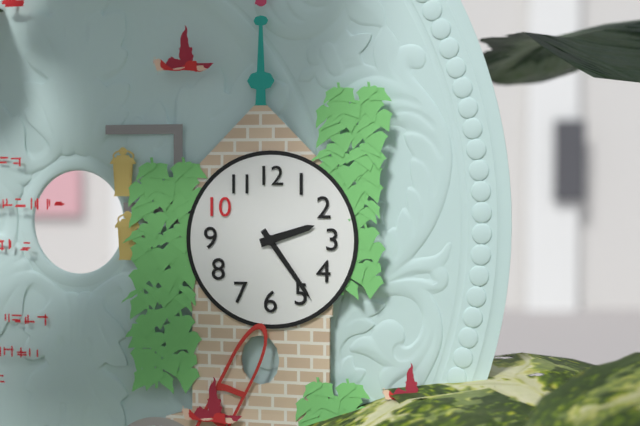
2:24
